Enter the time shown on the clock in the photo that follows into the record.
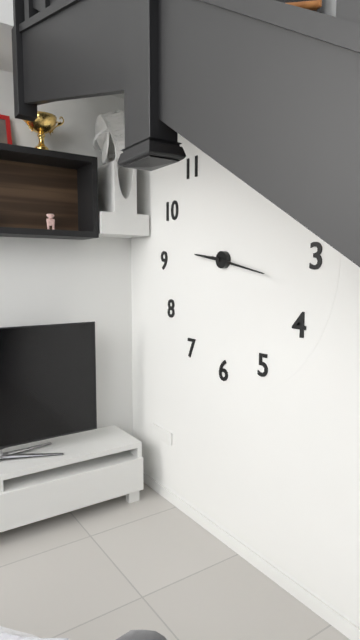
9:17
